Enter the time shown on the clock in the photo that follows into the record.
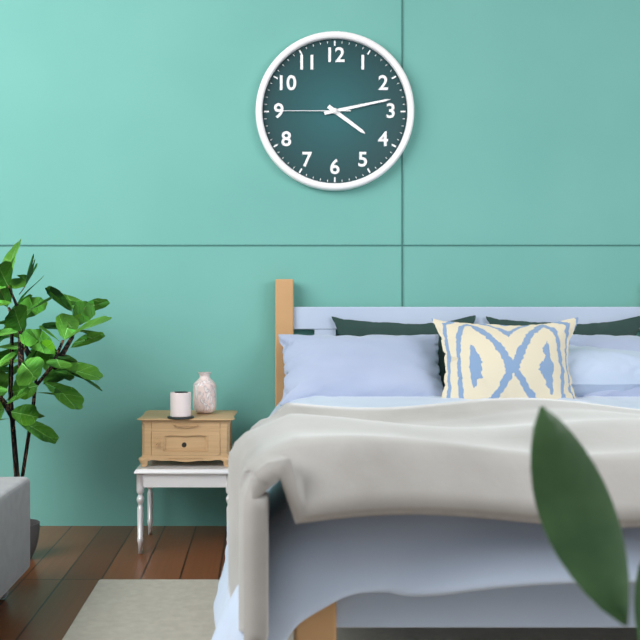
4:13:45
